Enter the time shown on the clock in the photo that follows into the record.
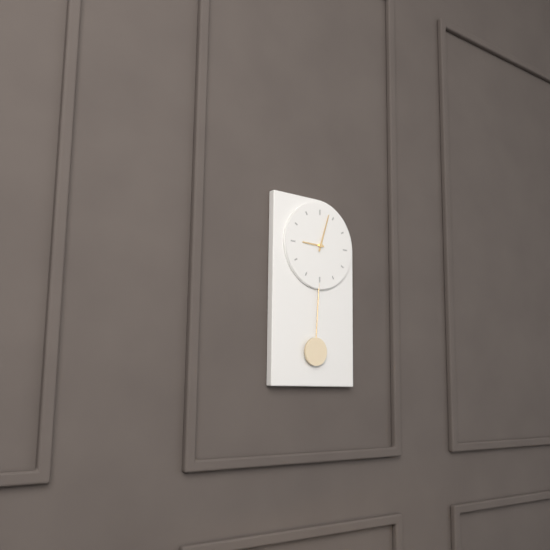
9:03
